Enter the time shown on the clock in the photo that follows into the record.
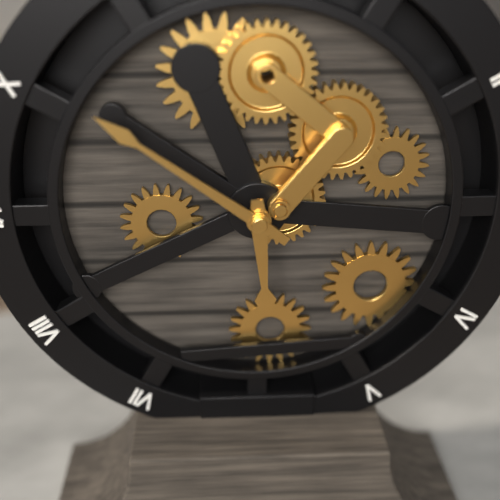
5:51
